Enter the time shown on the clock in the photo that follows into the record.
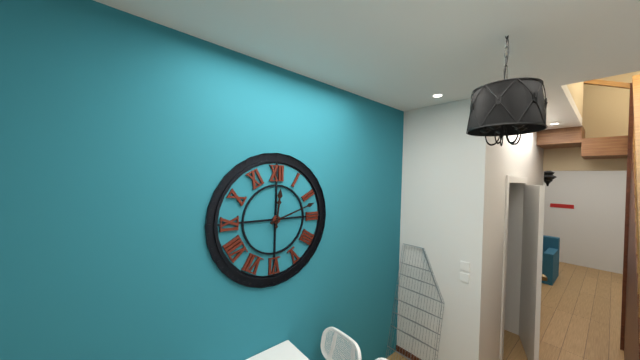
12:12
